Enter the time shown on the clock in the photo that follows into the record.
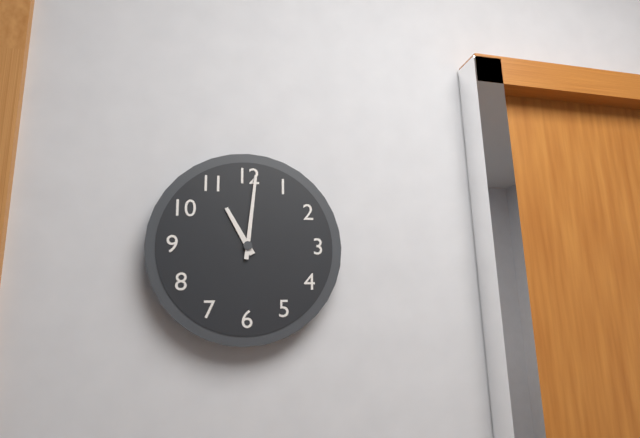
11:01
